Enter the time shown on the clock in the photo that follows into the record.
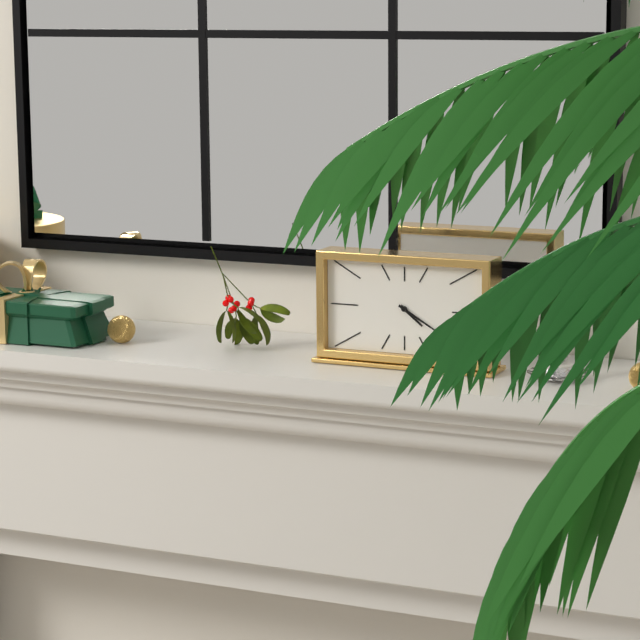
4:20
